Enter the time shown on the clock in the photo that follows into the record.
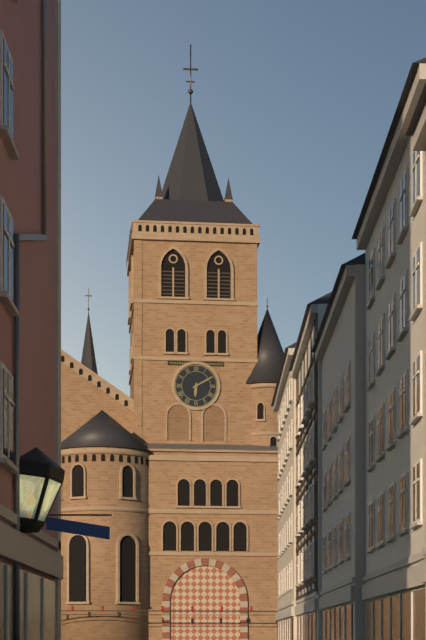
6:10
